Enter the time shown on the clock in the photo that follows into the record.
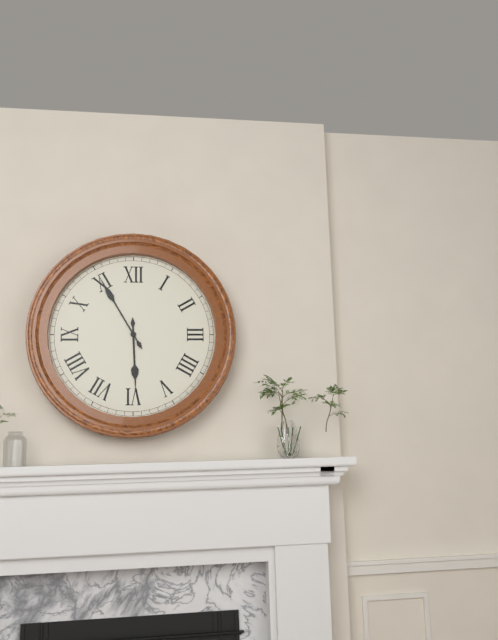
5:55
